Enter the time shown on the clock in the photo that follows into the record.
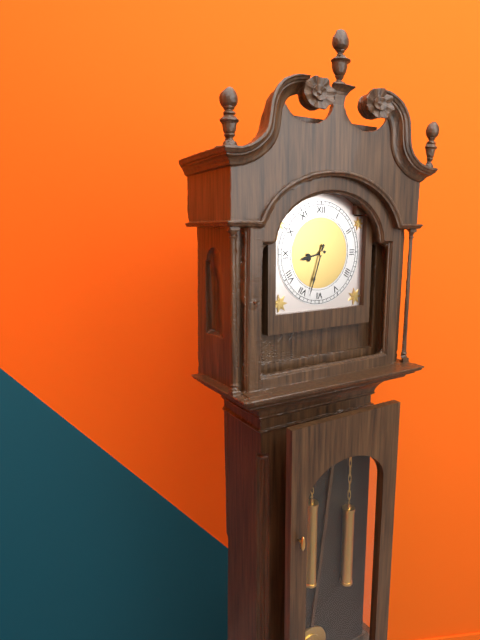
8:33
